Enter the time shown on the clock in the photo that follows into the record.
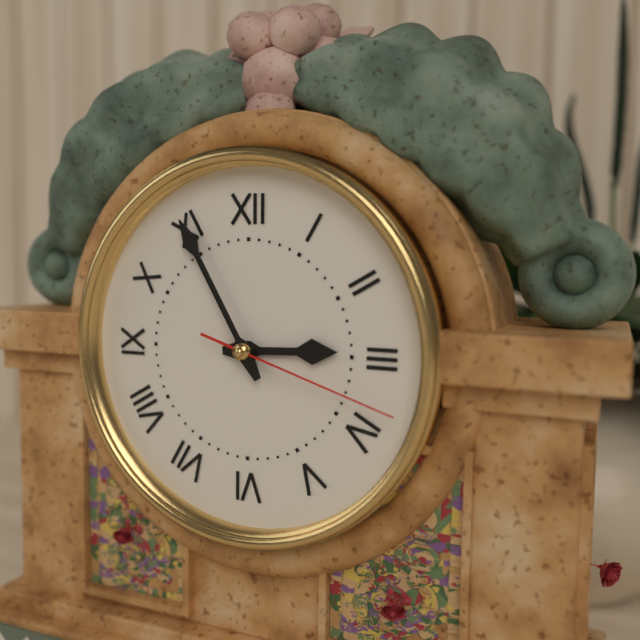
2:55:18
